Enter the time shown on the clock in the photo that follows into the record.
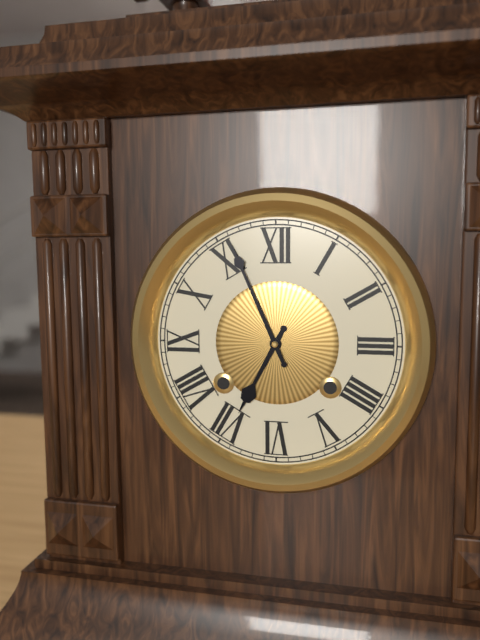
6:56
